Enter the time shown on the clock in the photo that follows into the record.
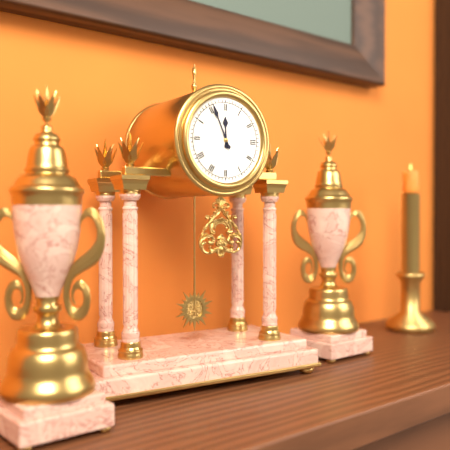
11:56
